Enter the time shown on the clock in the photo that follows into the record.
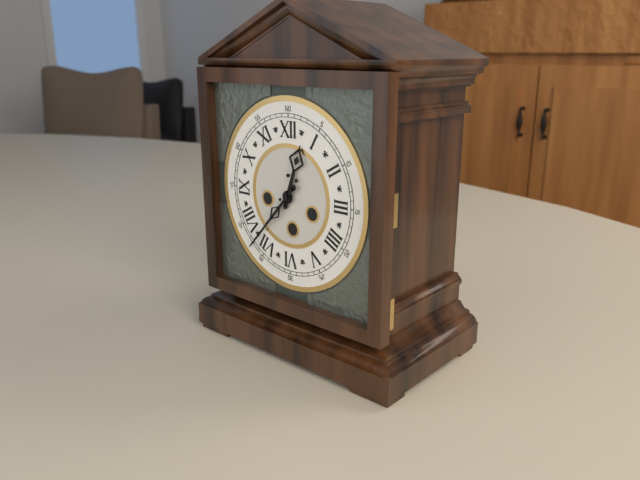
12:37
